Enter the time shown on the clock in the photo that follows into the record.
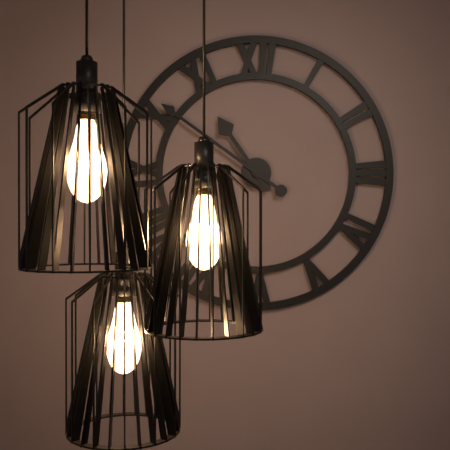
10:51
